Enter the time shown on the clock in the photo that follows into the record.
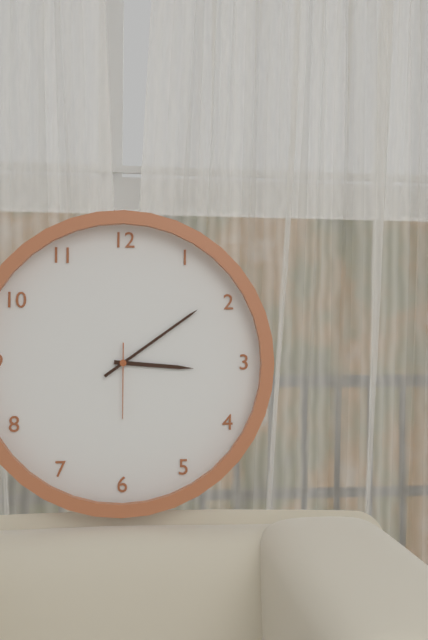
3:09:30
